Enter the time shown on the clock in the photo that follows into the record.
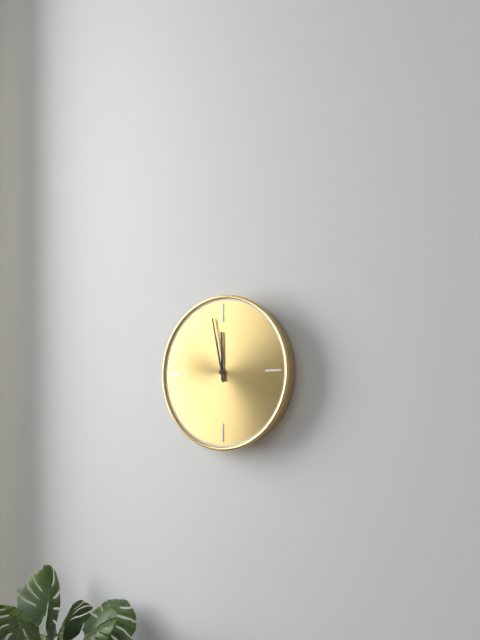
11:58
